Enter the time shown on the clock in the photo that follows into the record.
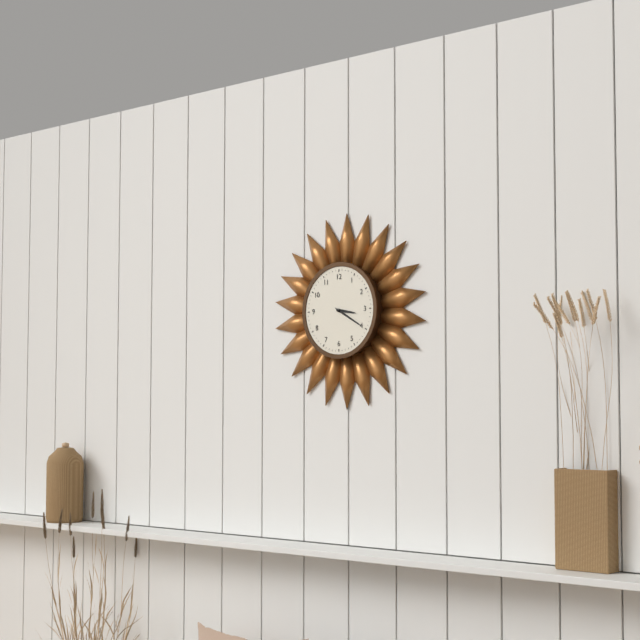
3:20
